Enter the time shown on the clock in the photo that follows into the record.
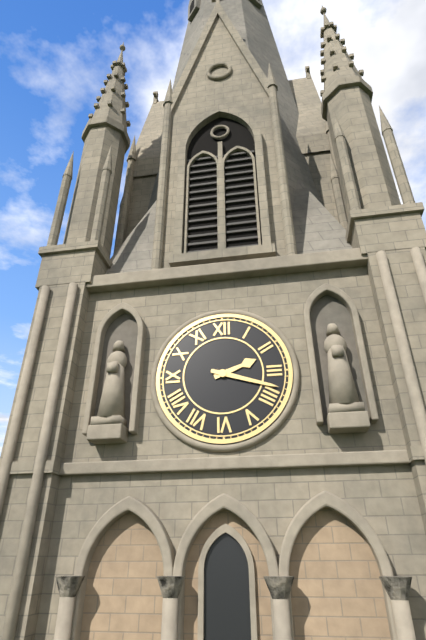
2:18
